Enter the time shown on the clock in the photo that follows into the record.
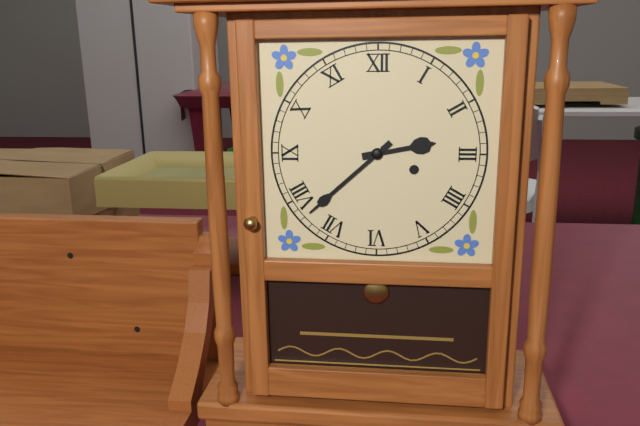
2:38
